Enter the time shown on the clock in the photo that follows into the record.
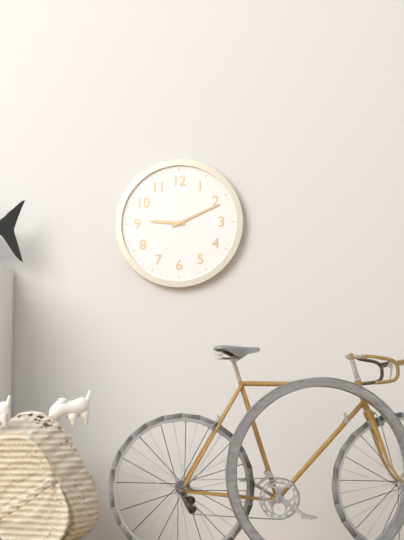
9:11
